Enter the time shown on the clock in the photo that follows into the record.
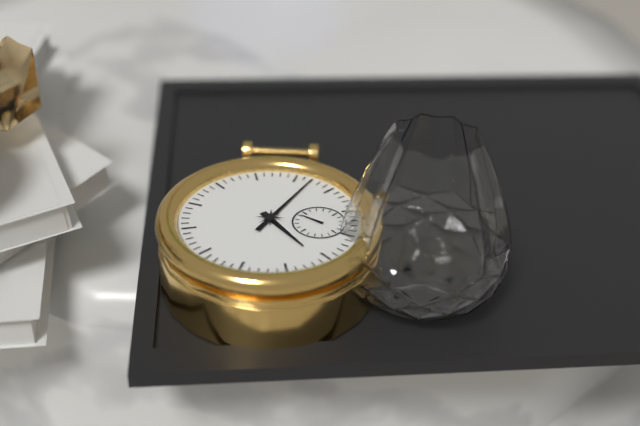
6:12
